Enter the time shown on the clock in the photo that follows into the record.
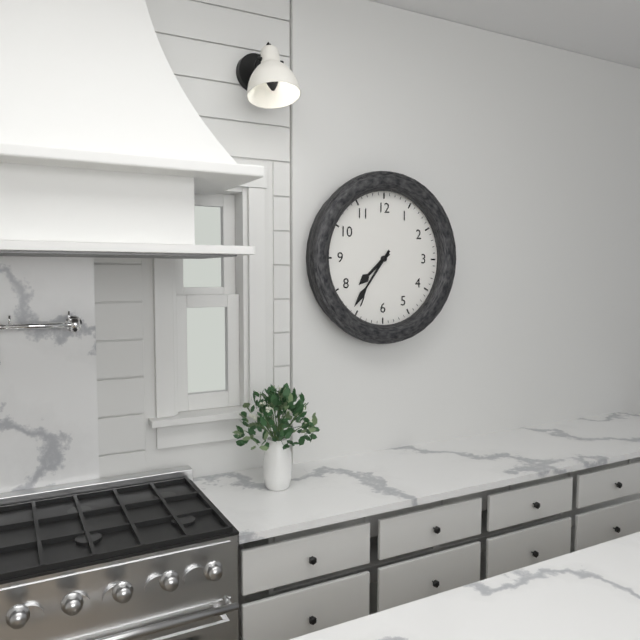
7:36
